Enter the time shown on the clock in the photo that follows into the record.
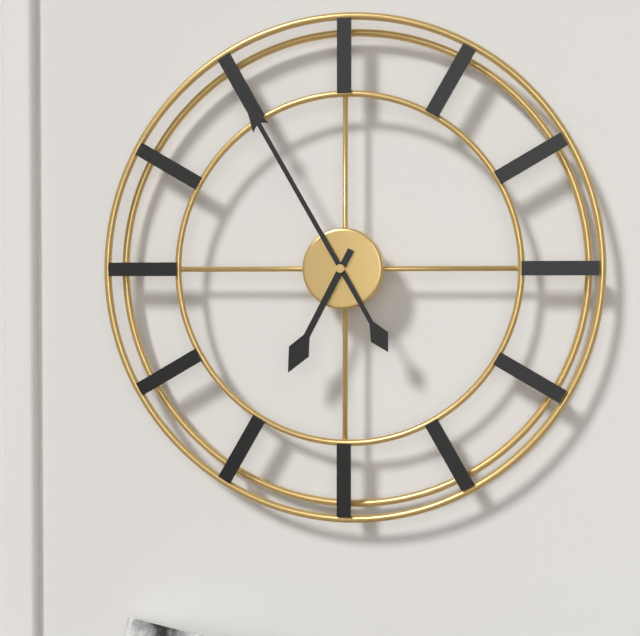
6:55
